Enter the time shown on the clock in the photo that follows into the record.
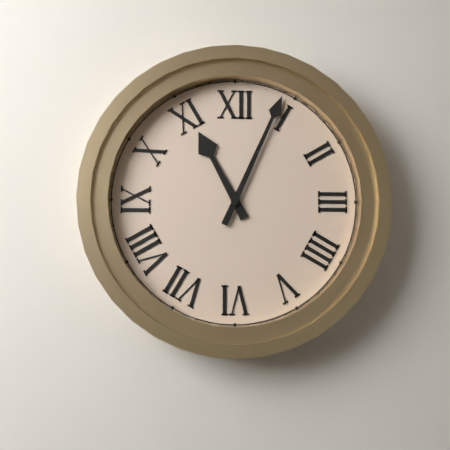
11:04
